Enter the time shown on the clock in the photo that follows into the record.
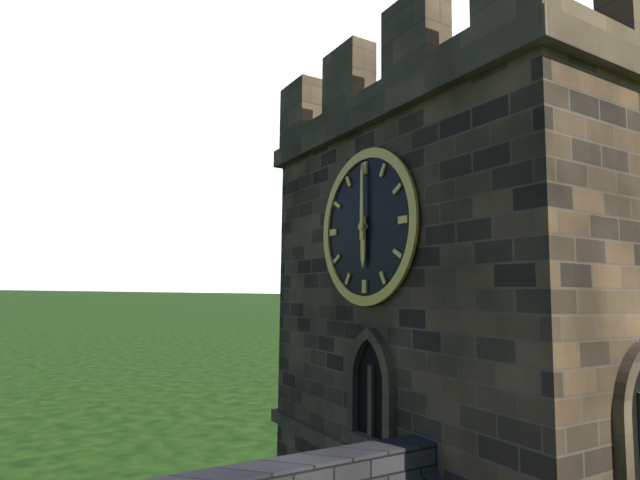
6:00
